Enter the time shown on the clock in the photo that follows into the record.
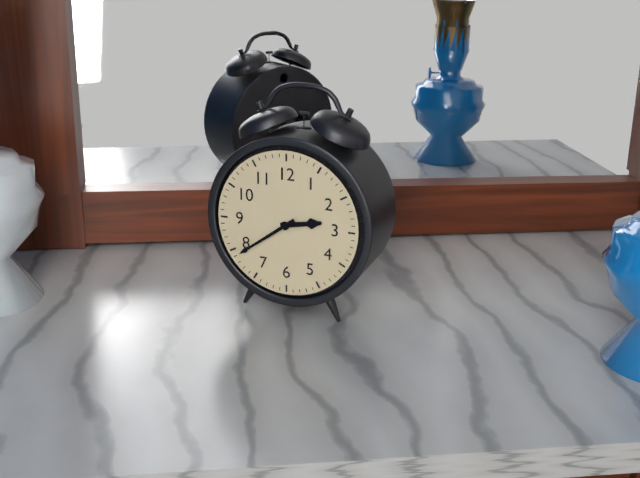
2:39
